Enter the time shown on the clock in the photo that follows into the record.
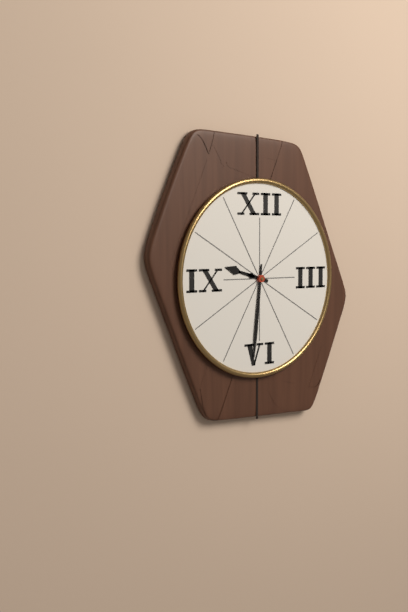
9:31
